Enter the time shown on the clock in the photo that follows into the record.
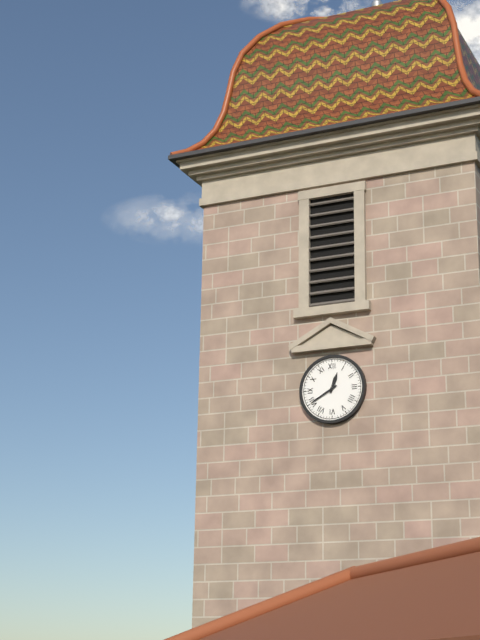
12:40
